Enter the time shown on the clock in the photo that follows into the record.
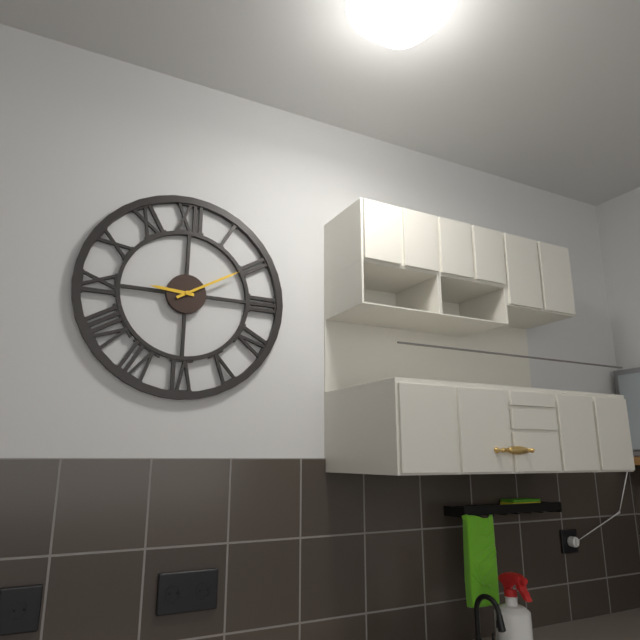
9:10
